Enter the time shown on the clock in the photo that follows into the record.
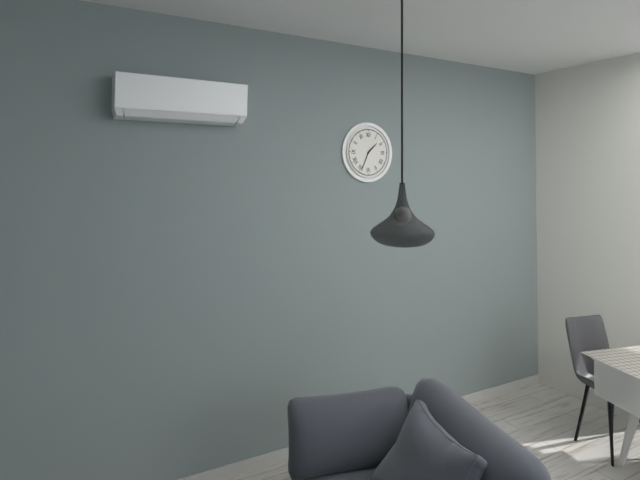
1:34
